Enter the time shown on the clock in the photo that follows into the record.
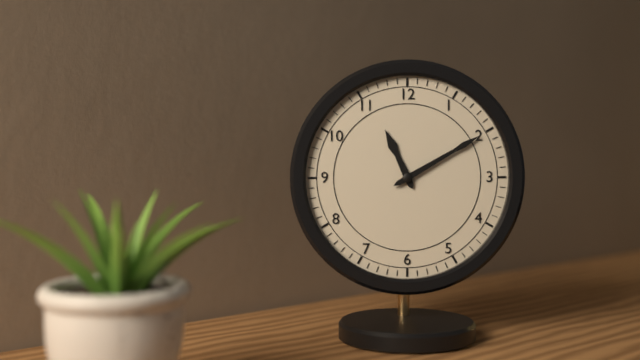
11:10
